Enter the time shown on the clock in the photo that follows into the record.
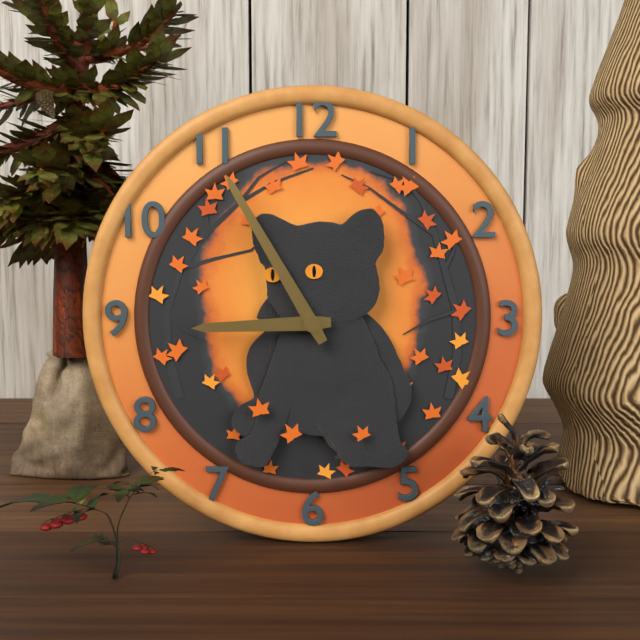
8:55
